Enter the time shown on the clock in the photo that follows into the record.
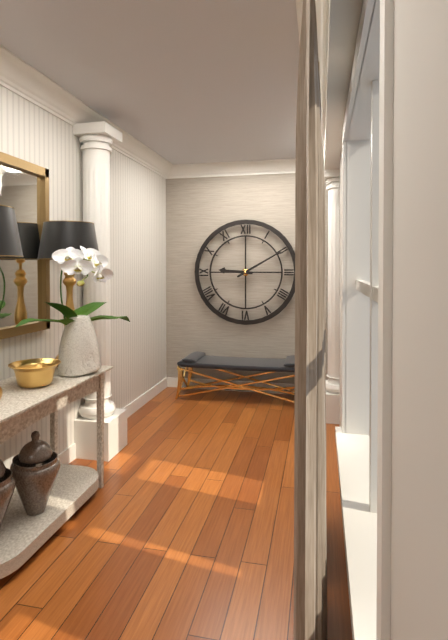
9:10
